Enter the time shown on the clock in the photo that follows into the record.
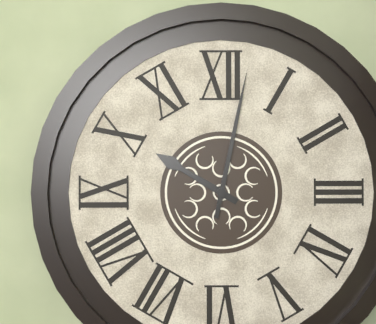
10:02
